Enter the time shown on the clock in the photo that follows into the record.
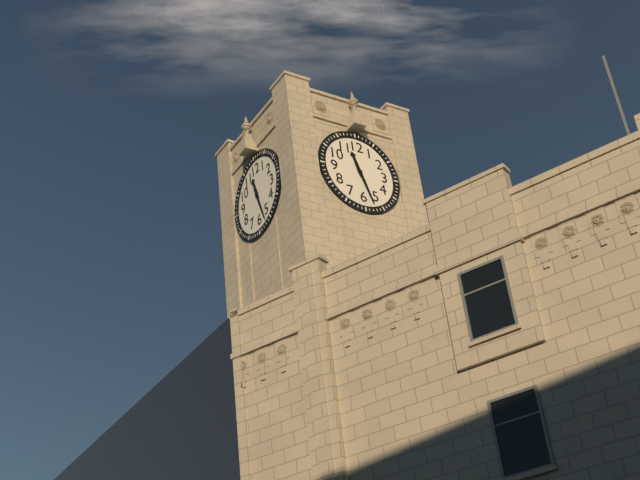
11:27
